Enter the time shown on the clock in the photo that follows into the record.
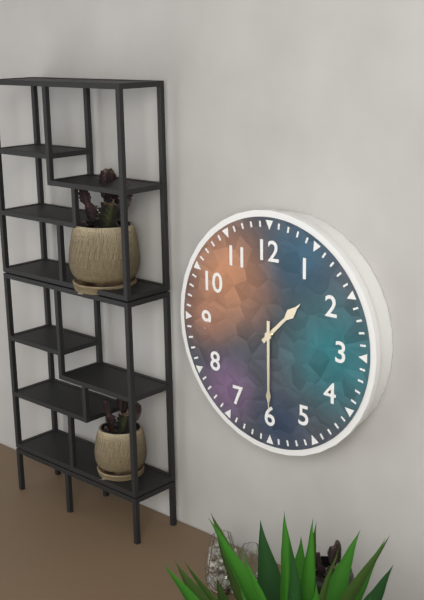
1:30
